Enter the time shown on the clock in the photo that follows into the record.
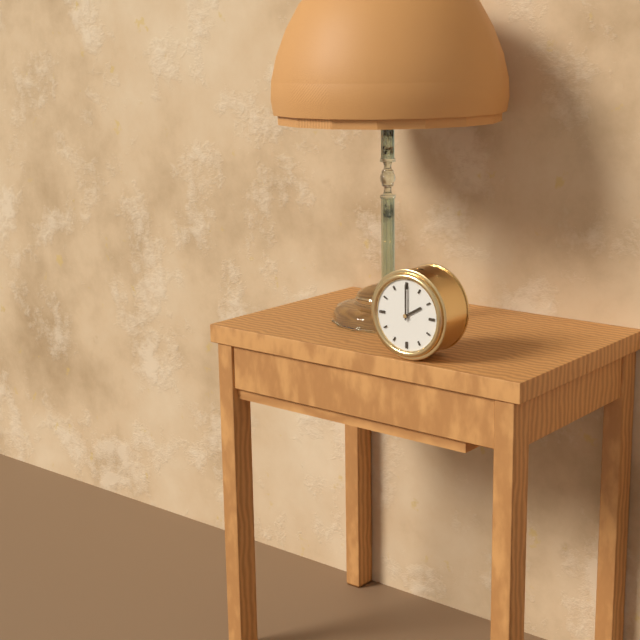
2:00
